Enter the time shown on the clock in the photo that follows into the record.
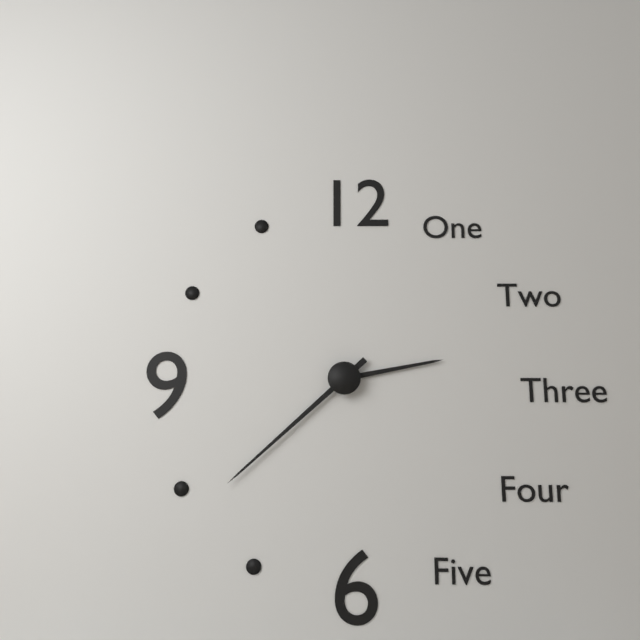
2:38
